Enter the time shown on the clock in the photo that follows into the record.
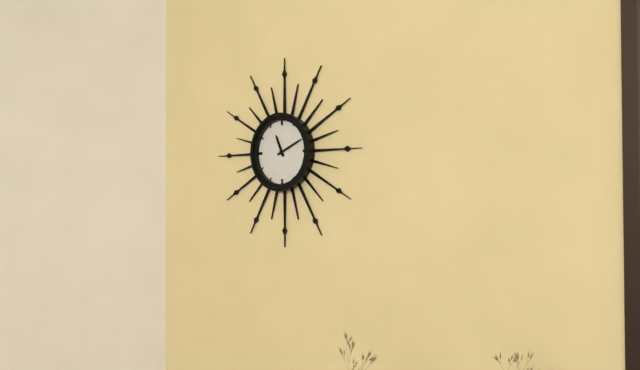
11:11
